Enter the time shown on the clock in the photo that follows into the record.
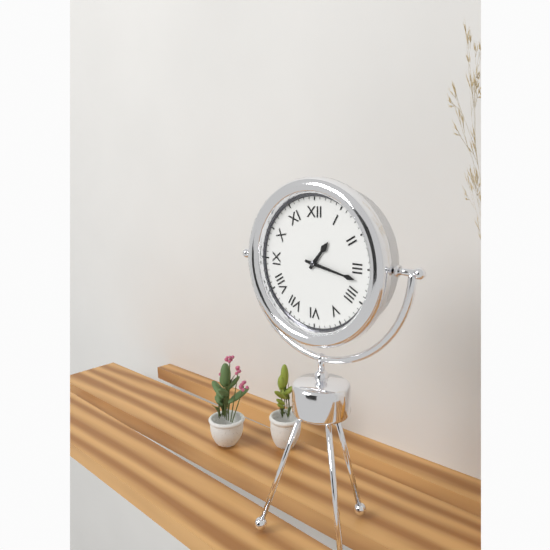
1:17
